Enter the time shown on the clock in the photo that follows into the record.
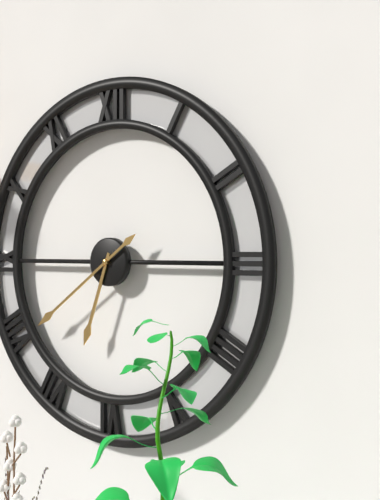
6:39
